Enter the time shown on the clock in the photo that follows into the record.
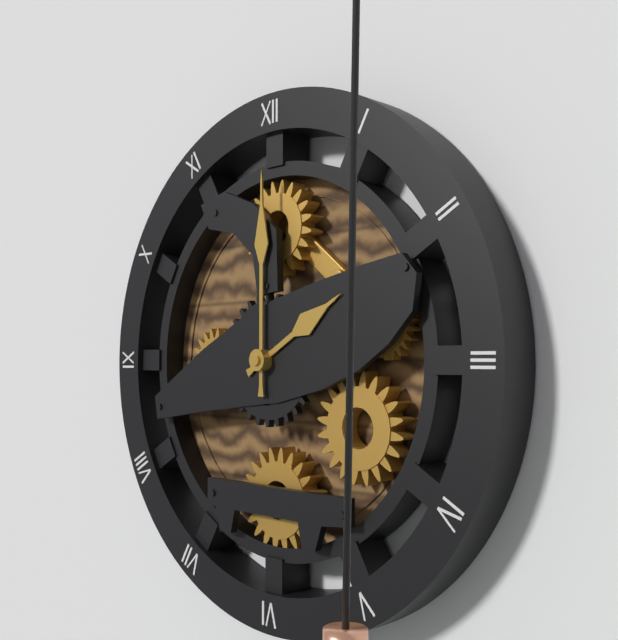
2:00
